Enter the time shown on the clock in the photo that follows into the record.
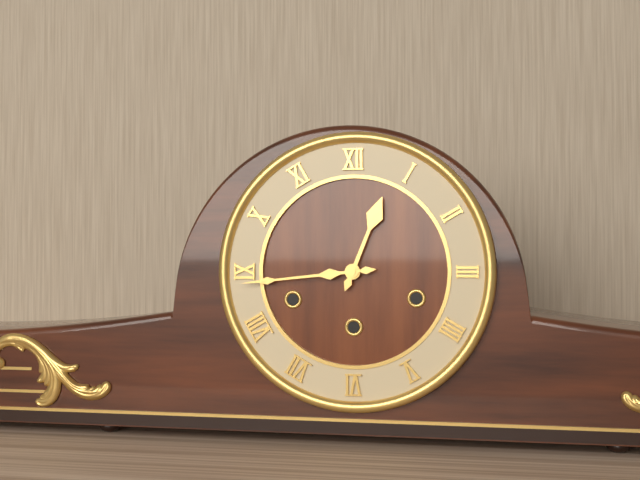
12:44
